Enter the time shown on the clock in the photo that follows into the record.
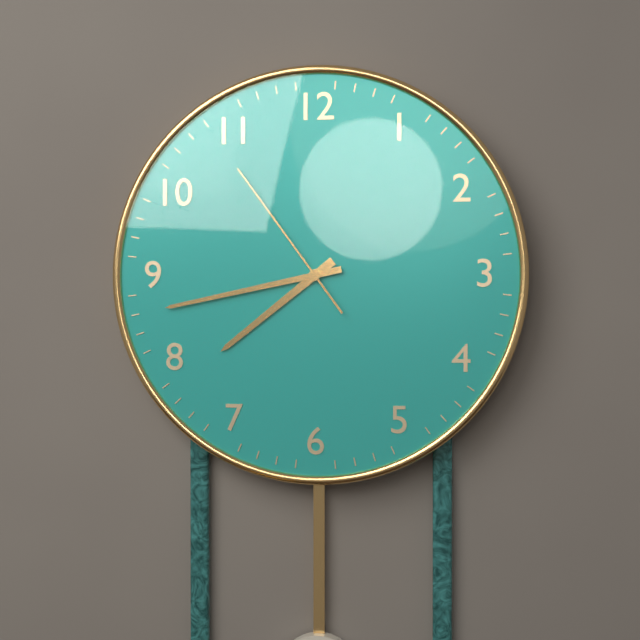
7:43:54
